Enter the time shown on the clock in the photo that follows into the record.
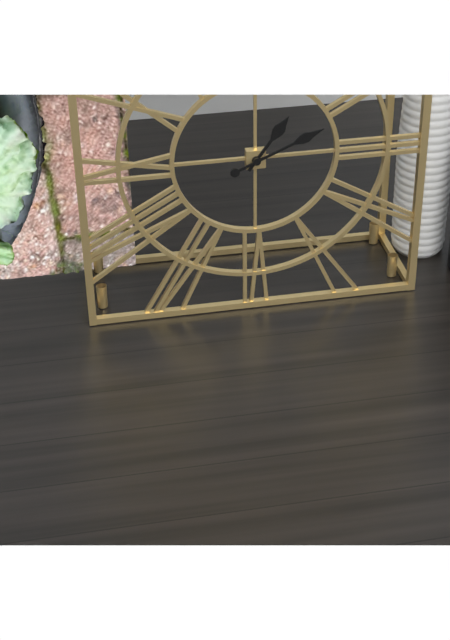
1:11
